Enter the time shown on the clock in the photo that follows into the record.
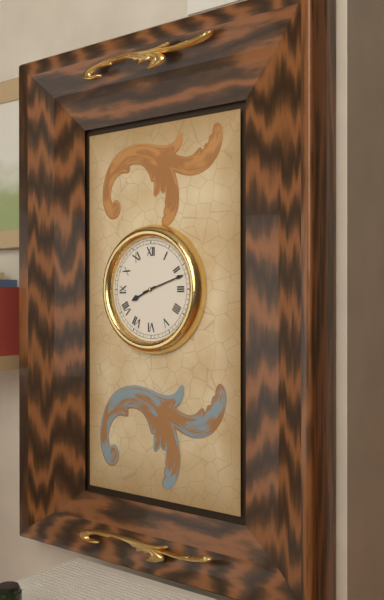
8:12
